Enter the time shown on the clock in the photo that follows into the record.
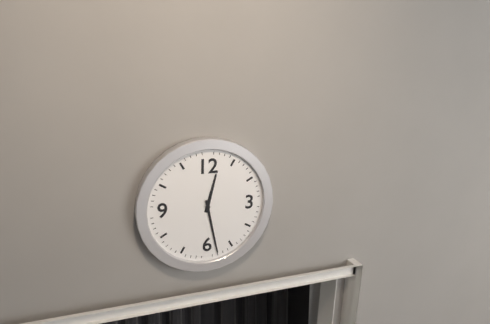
12:28
